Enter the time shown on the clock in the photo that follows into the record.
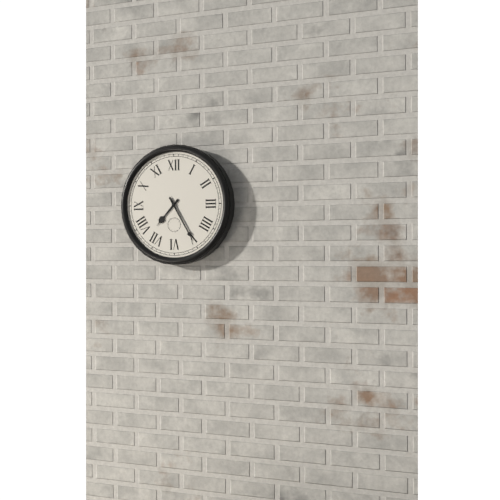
7:25
